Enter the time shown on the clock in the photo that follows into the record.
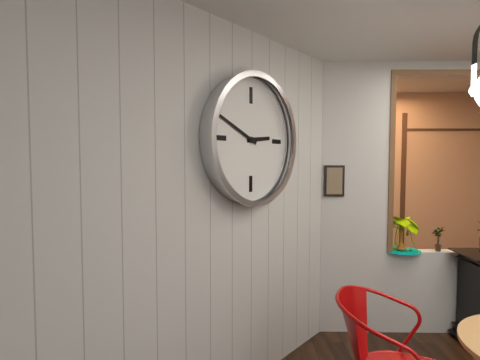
2:49
